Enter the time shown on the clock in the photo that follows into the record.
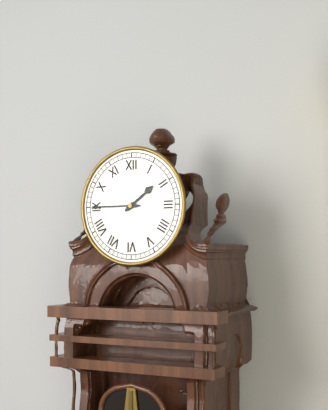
1:45
